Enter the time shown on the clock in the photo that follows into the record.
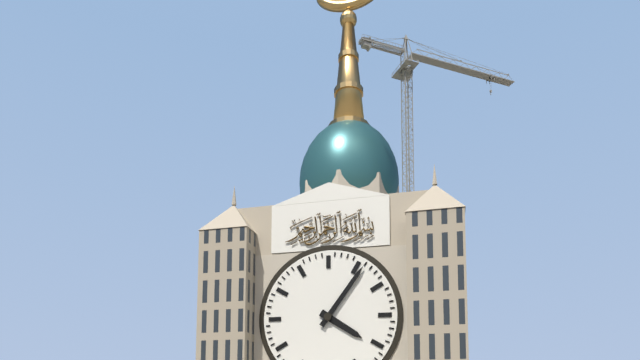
4:06
